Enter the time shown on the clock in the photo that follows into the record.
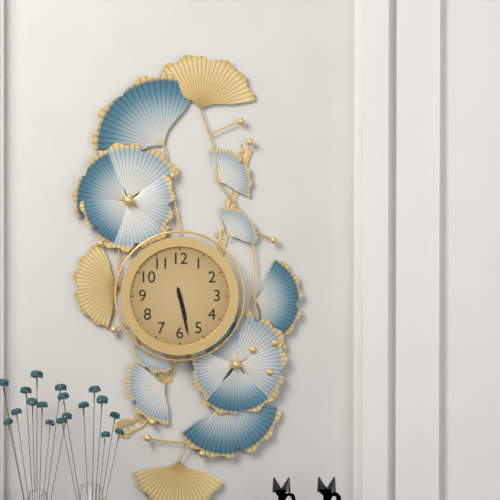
5:28
